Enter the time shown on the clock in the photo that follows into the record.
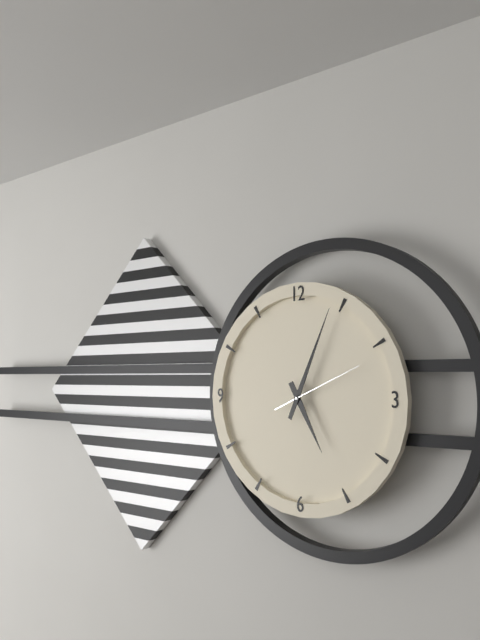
5:04:11
